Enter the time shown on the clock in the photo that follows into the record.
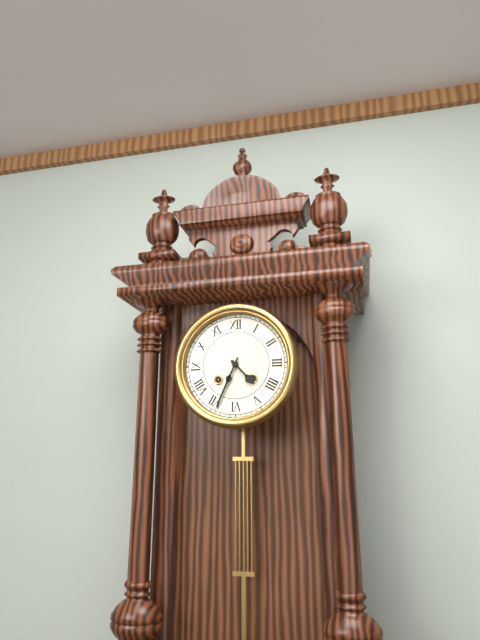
4:34
